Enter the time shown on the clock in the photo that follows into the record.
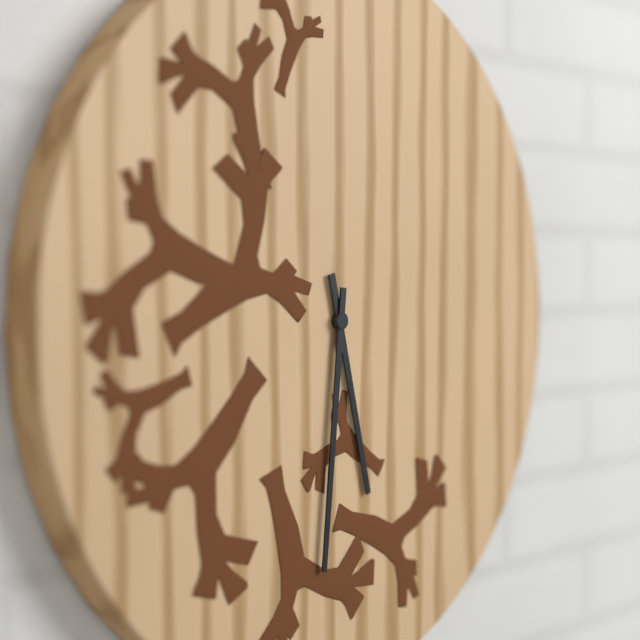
5:31
